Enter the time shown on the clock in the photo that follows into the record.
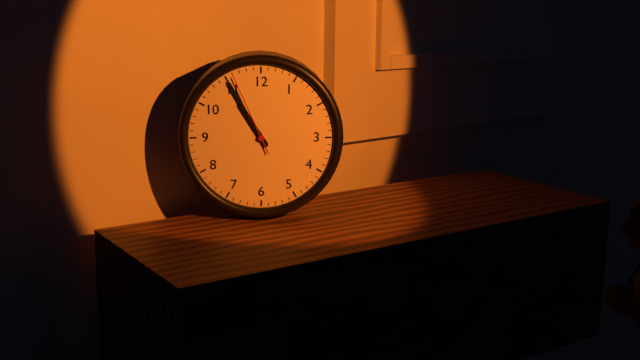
10:55:56
